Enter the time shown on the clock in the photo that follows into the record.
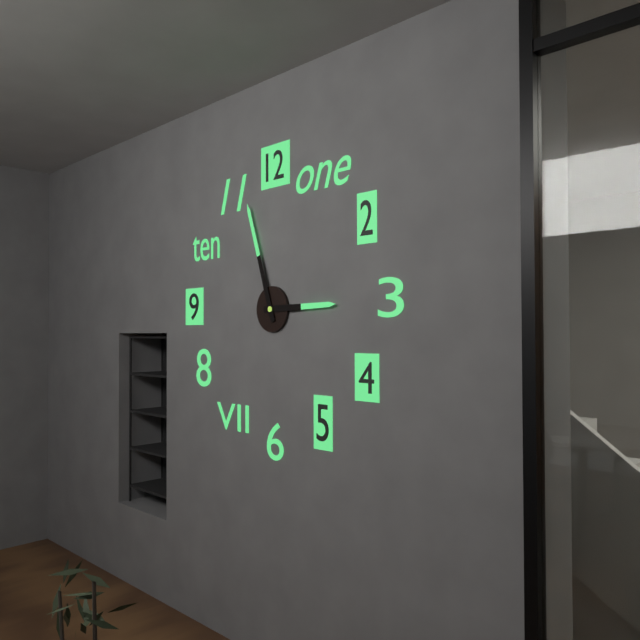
2:57
